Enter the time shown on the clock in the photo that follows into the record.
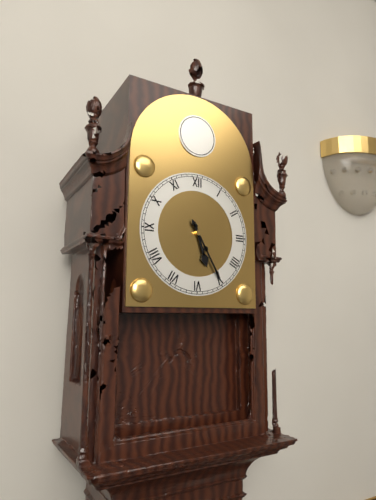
5:25
